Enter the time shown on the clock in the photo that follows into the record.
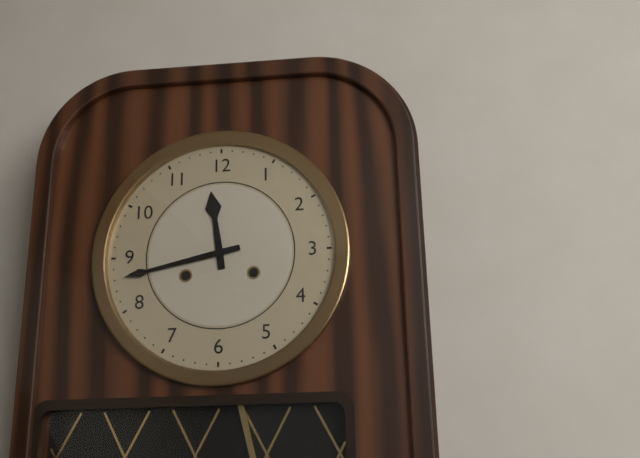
11:43
